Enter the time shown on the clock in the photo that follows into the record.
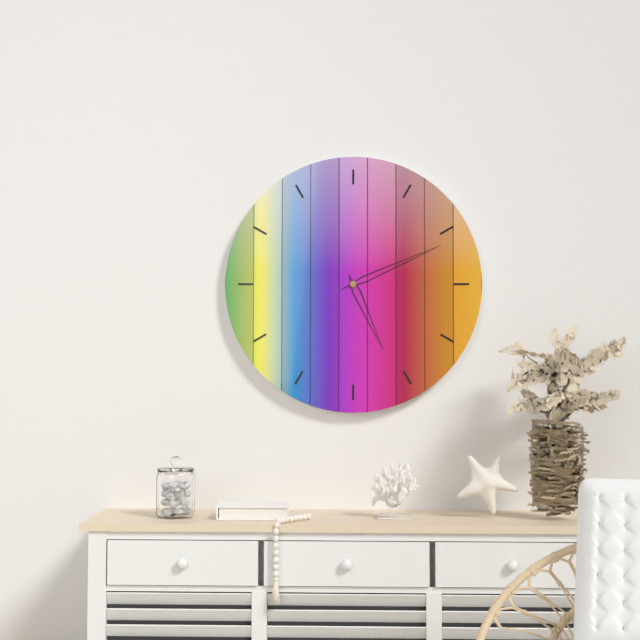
5:11
